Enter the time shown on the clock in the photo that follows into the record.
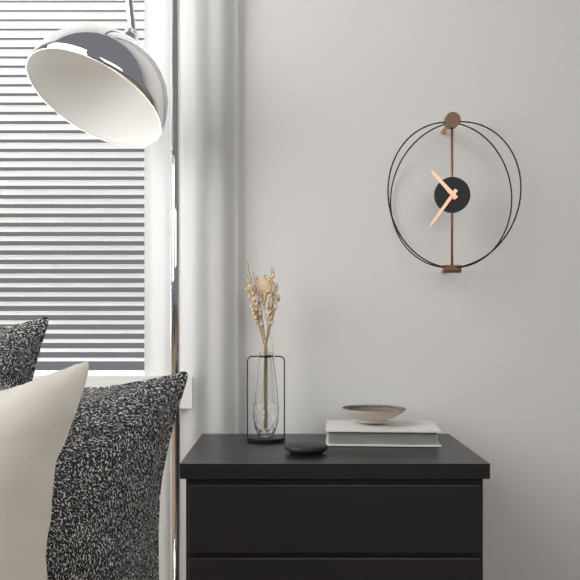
10:36
